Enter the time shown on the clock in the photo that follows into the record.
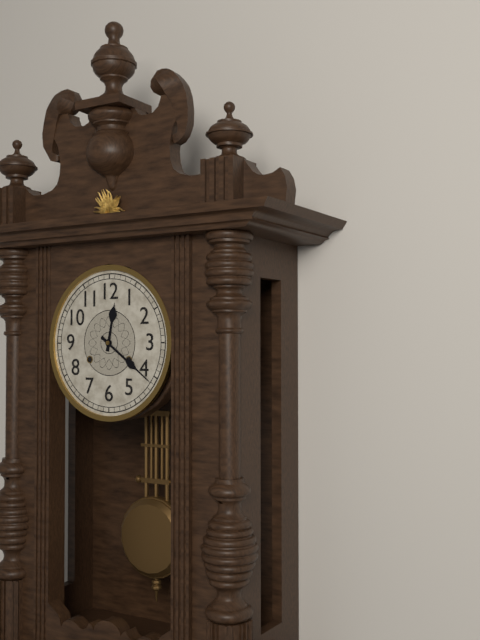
12:21
